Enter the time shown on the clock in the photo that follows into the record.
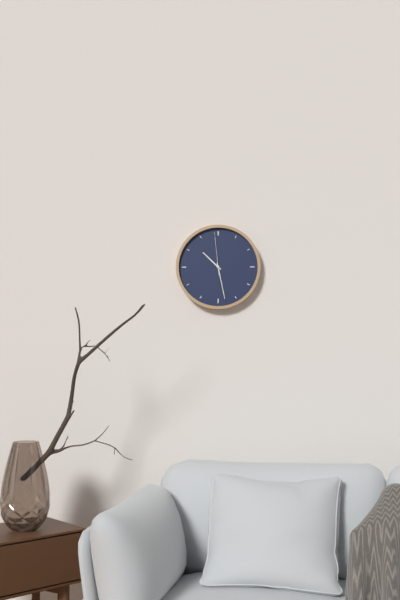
10:28
